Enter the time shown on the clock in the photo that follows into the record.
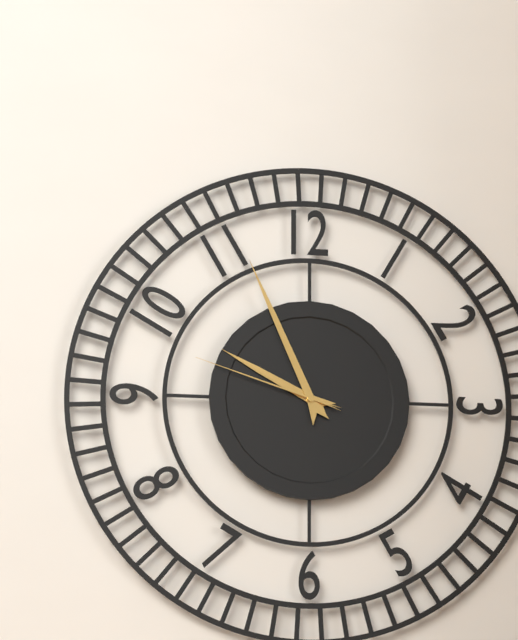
9:56:48
